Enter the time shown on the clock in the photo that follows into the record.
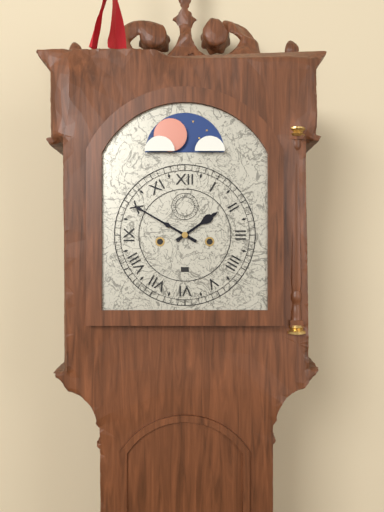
1:50
